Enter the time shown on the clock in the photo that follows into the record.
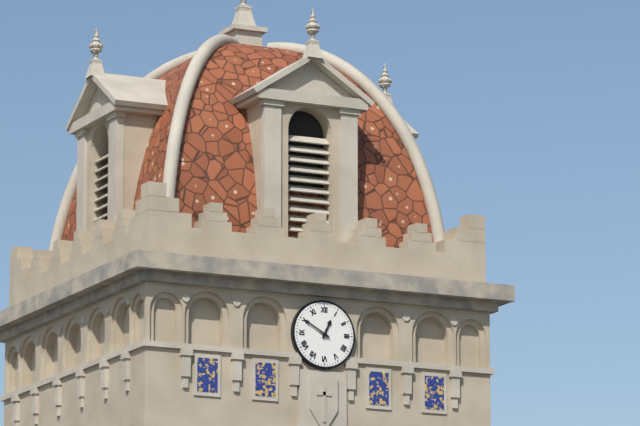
12:50
